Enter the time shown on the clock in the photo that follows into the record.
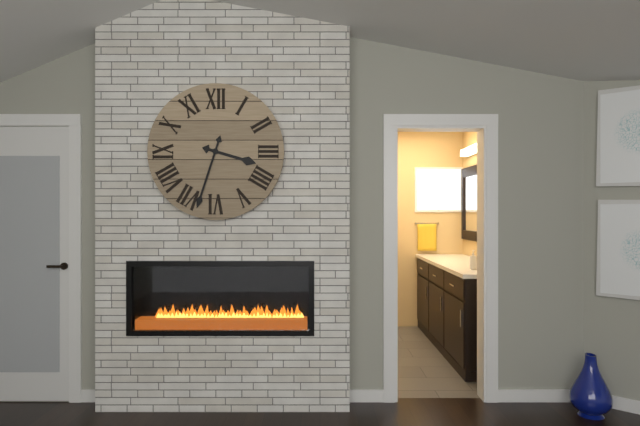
3:33
